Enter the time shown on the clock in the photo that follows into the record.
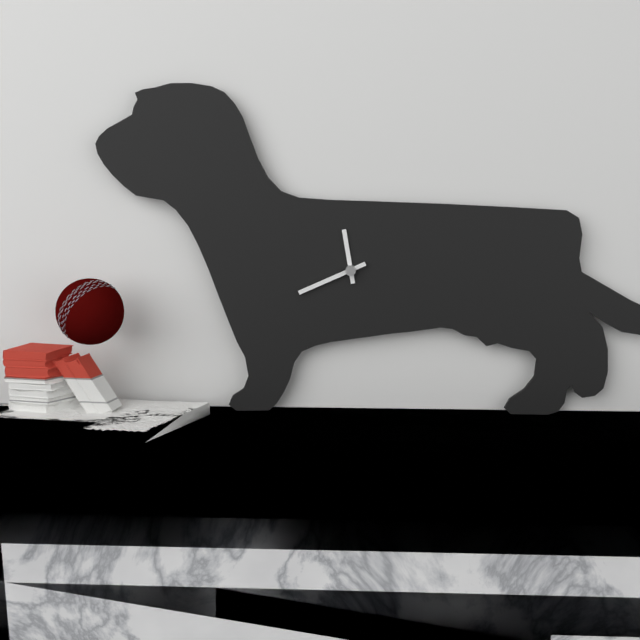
11:41
